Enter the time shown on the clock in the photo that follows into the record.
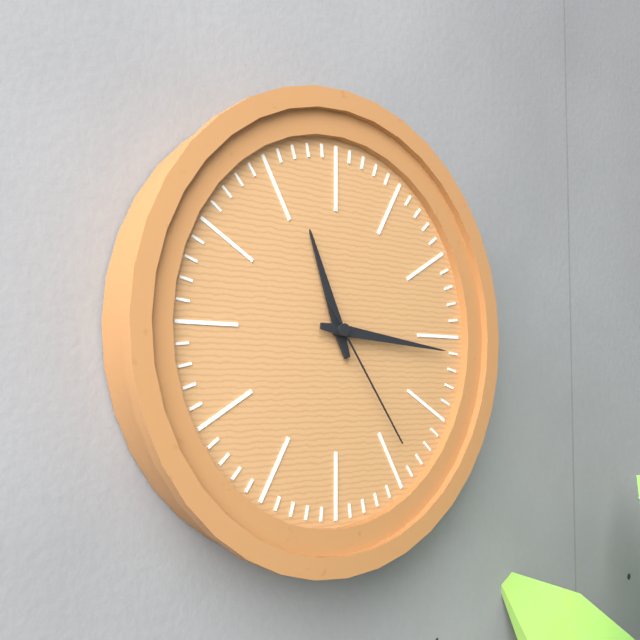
11:16:24
